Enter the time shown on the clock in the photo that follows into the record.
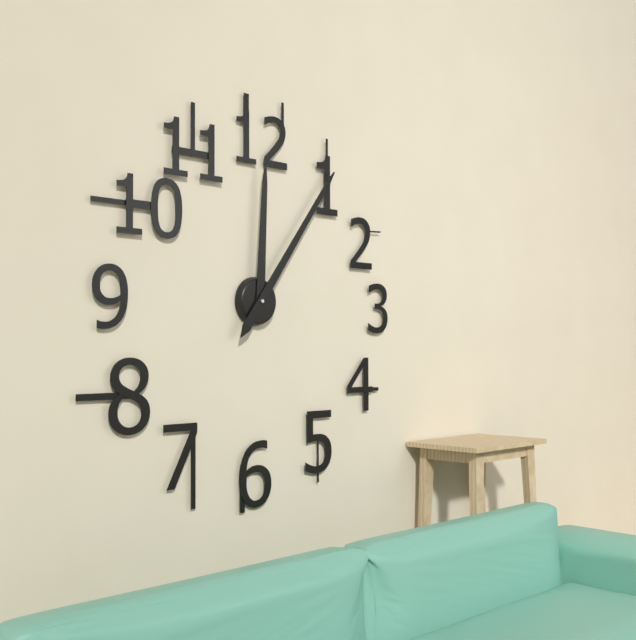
12:06
